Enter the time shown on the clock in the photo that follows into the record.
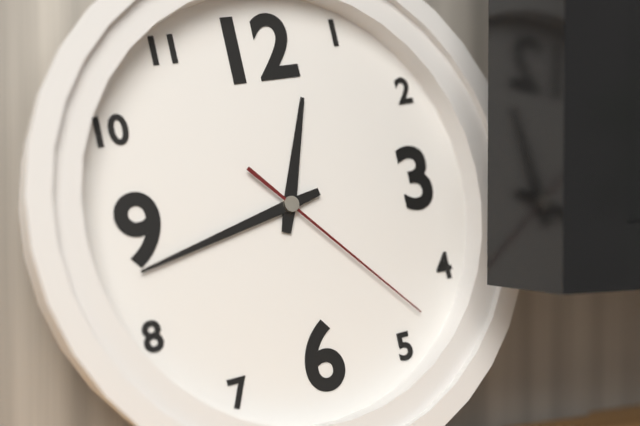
12:43:23
